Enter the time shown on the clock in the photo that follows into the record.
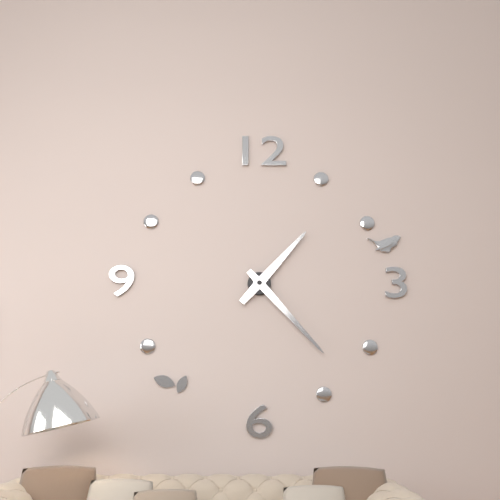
1:23
